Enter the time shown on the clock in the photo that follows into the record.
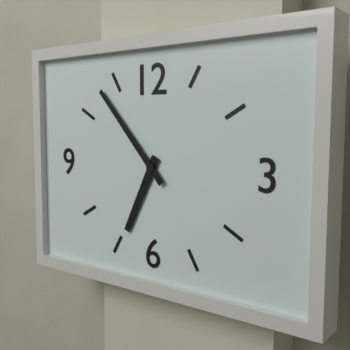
6:53
